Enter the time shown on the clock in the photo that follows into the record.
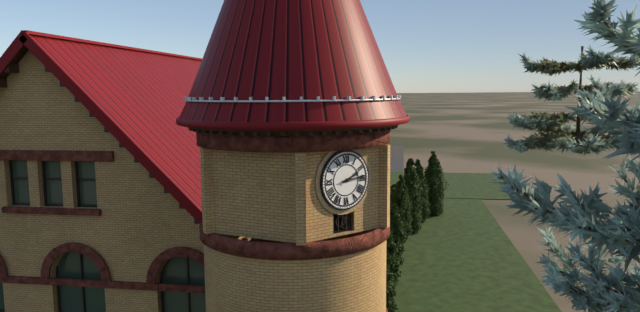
2:14
